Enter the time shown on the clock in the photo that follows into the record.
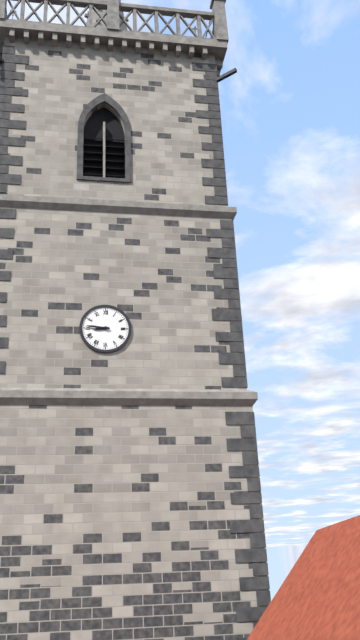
8:46
